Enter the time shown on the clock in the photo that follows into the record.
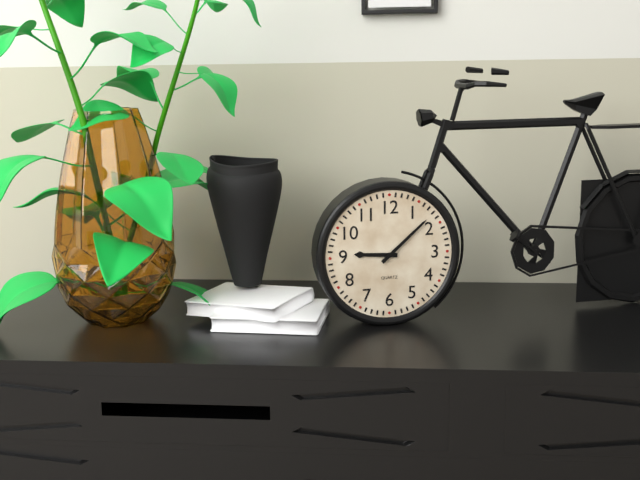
9:08
